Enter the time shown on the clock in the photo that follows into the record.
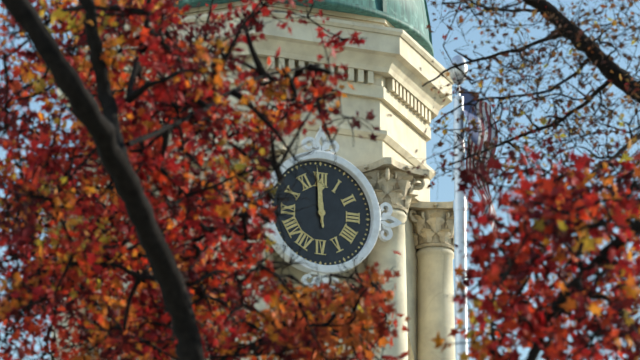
11:59
